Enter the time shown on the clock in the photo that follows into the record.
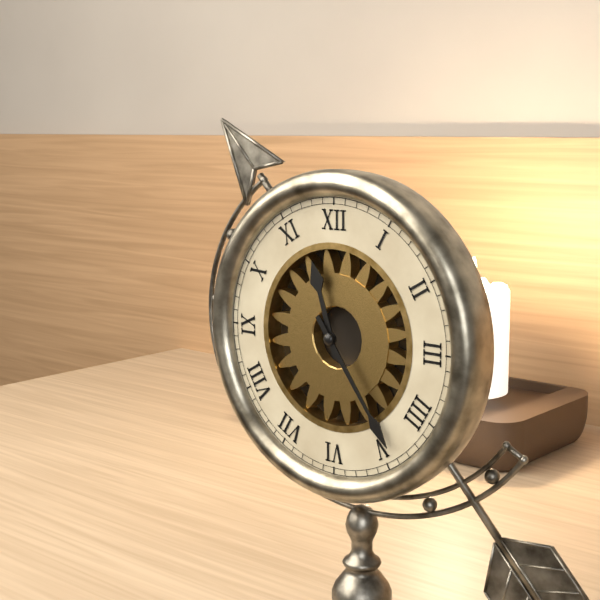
11:24
